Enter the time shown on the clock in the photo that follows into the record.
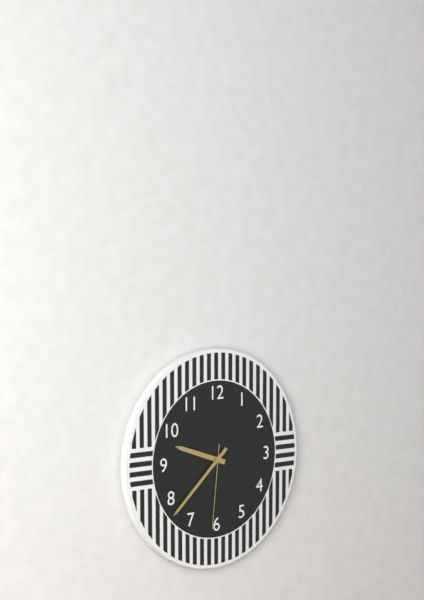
9:38:31
